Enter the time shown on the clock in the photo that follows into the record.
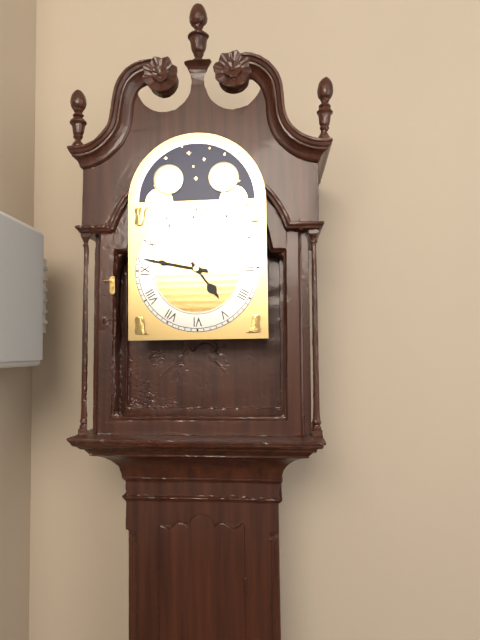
4:47
